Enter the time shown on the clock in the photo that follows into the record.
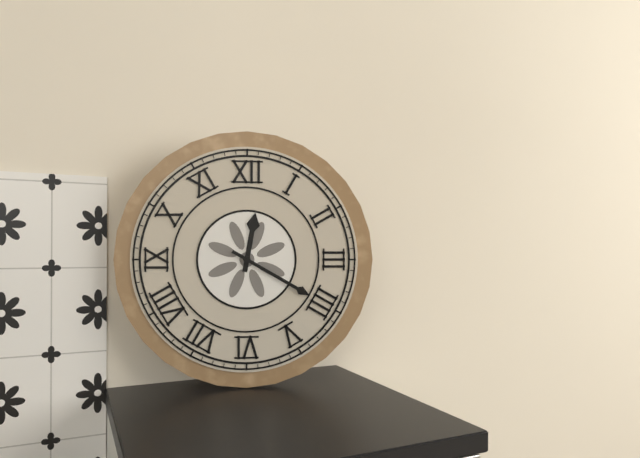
12:20
